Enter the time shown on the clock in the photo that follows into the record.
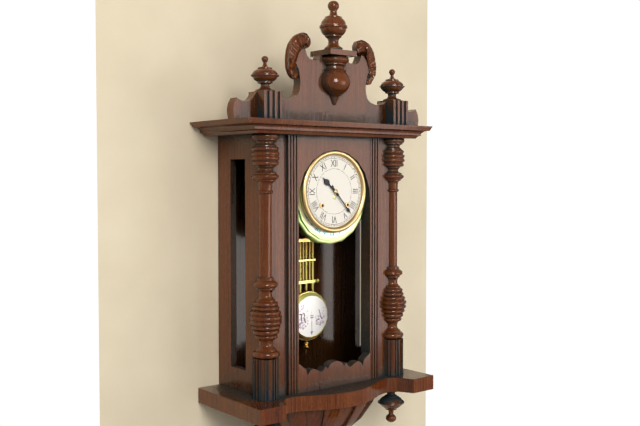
10:23
